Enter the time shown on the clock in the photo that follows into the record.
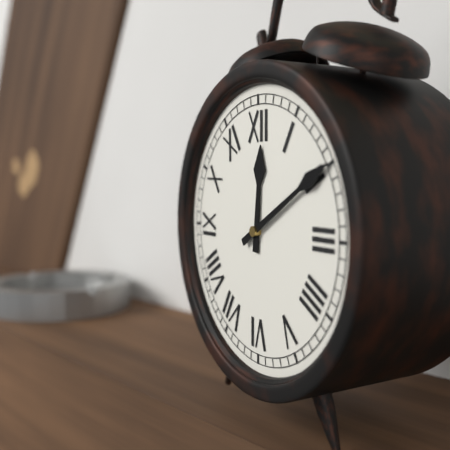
12:10
